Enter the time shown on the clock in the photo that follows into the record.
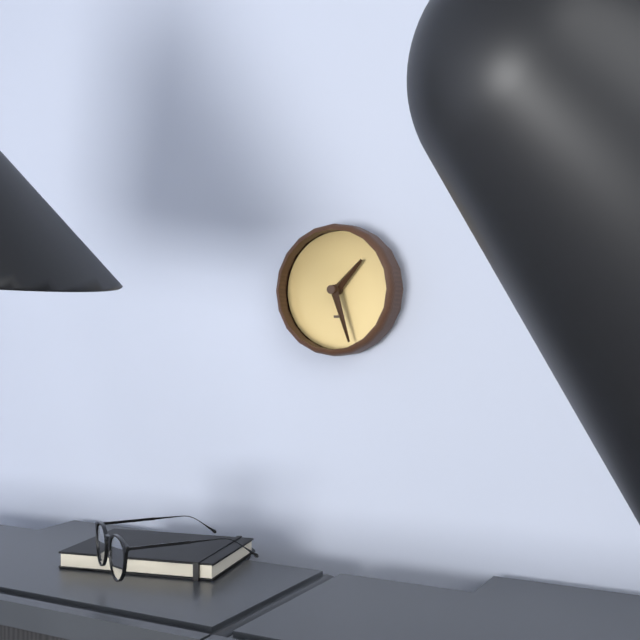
1:27
